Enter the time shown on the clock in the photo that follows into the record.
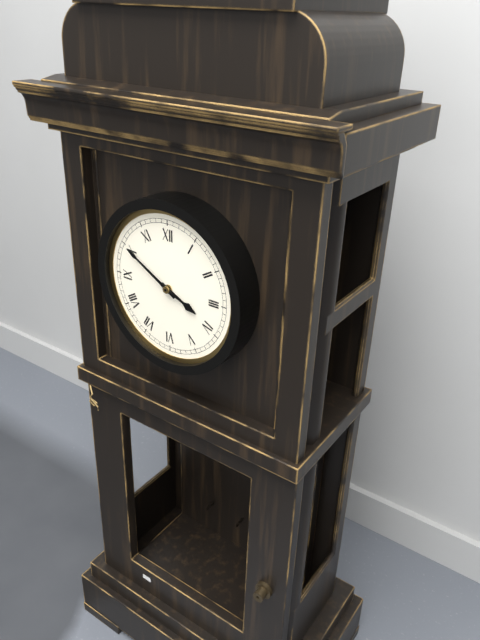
3:50
